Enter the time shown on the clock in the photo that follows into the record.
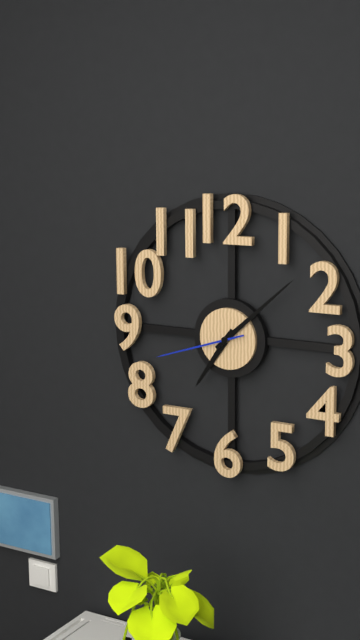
7:08:42
